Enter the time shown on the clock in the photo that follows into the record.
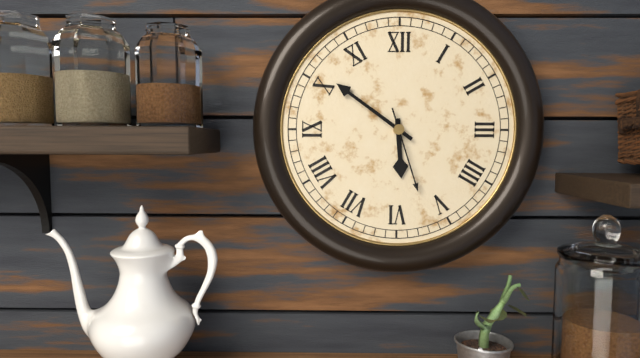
5:51:27
